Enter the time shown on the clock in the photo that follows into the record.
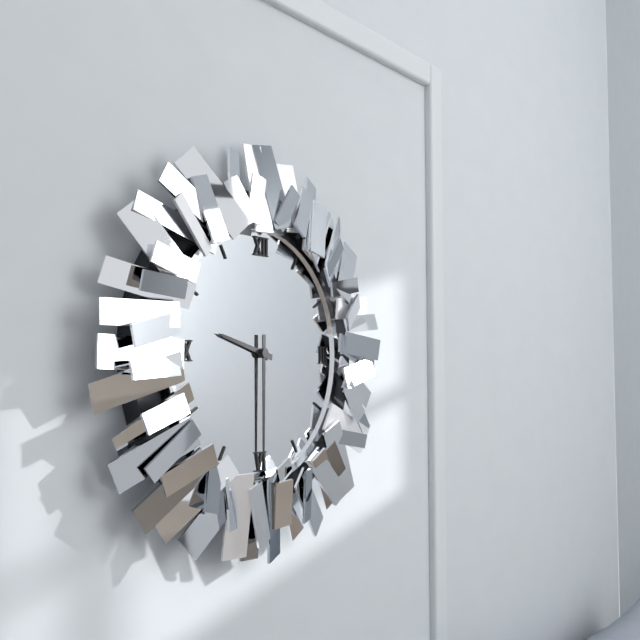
9:30
